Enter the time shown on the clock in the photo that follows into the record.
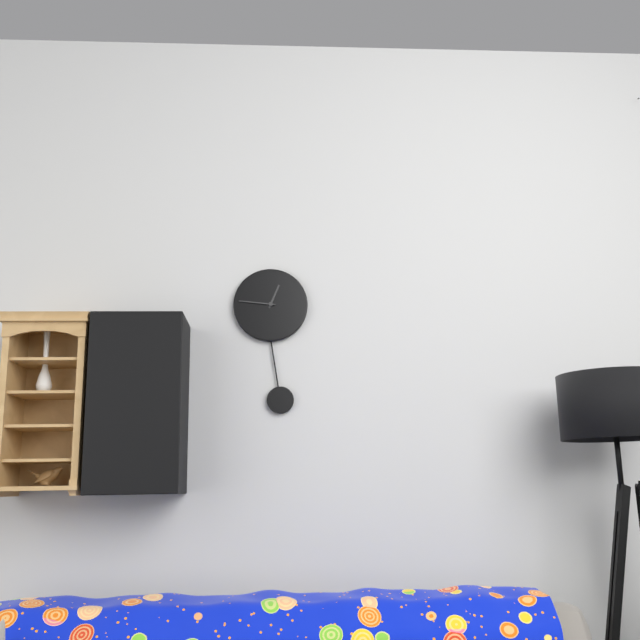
12:46
